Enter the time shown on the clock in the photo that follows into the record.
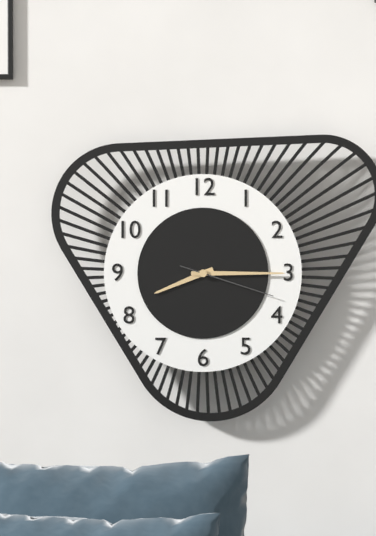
8:15:18
